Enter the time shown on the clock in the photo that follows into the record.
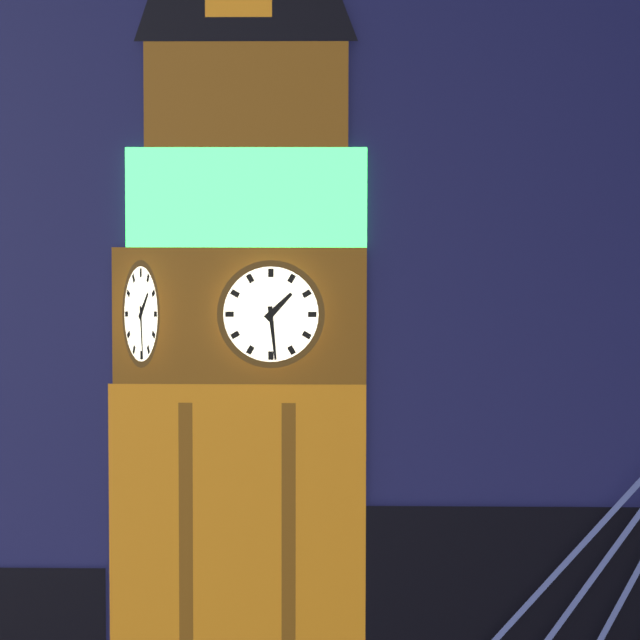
1:29
